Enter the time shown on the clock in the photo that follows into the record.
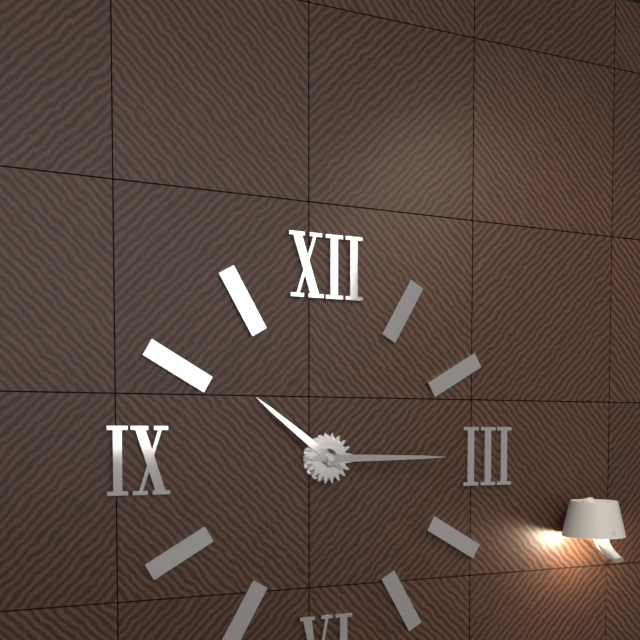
10:15
